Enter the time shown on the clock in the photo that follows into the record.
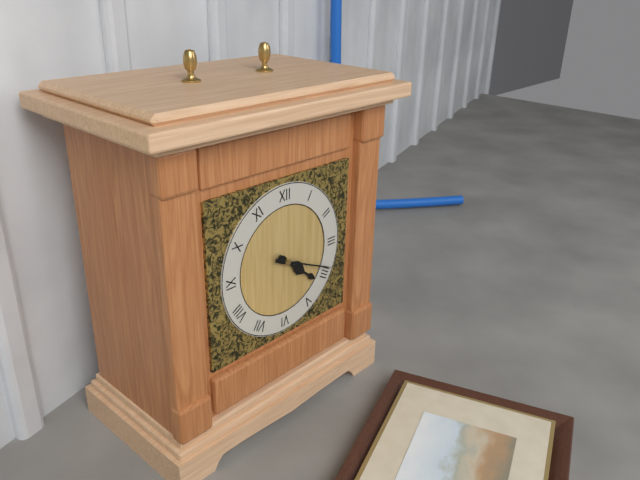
4:19
